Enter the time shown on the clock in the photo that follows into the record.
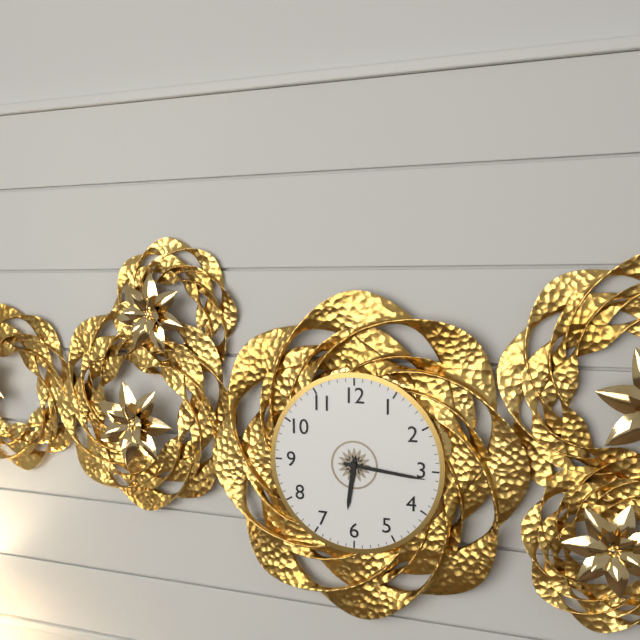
6:16
